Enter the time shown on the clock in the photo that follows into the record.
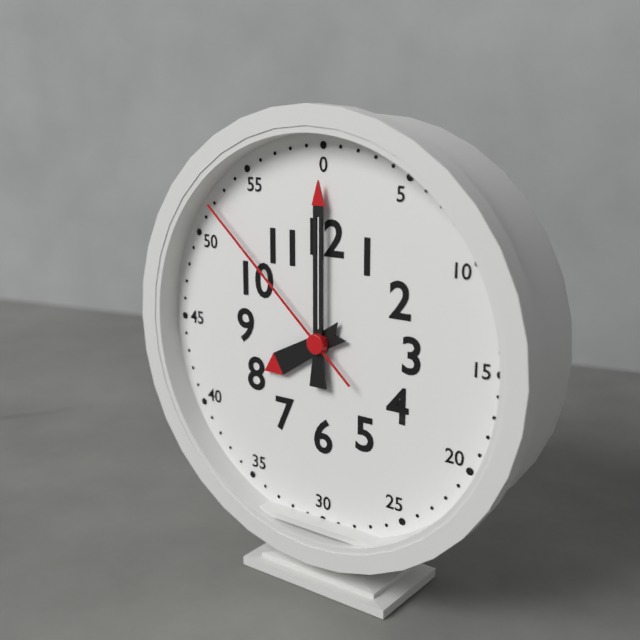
8:00:52
